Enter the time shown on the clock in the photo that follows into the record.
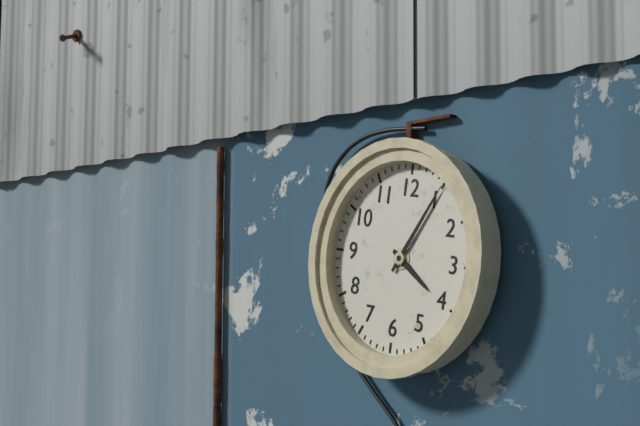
4:05
